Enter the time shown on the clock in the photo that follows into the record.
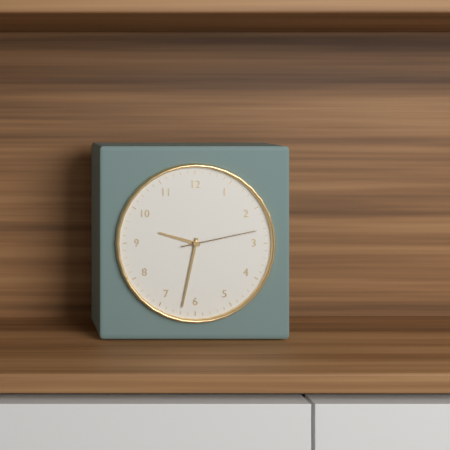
9:32:13
